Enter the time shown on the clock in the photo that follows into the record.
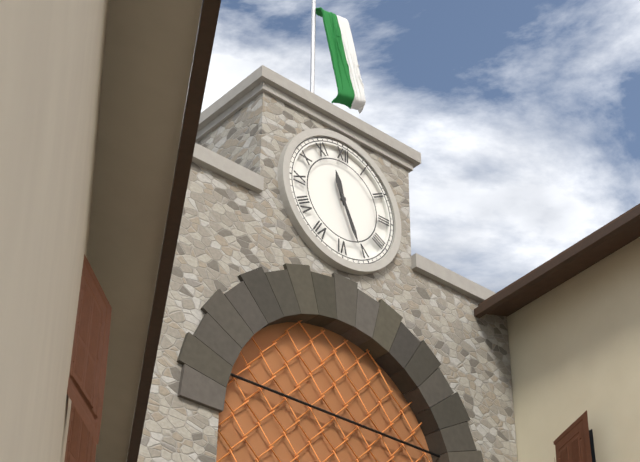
11:26
